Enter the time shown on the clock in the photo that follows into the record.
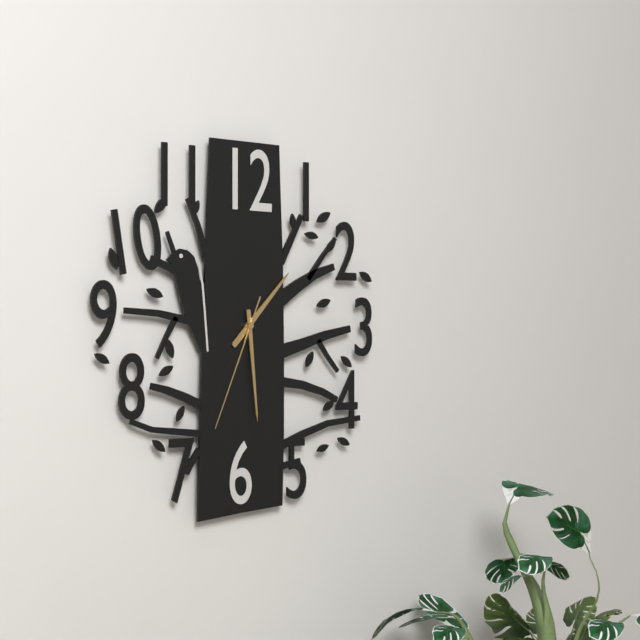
1:29:34
